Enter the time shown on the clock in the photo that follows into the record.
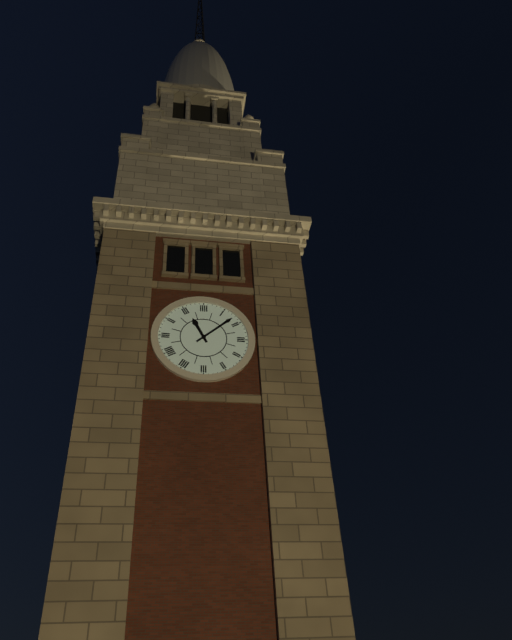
11:08
